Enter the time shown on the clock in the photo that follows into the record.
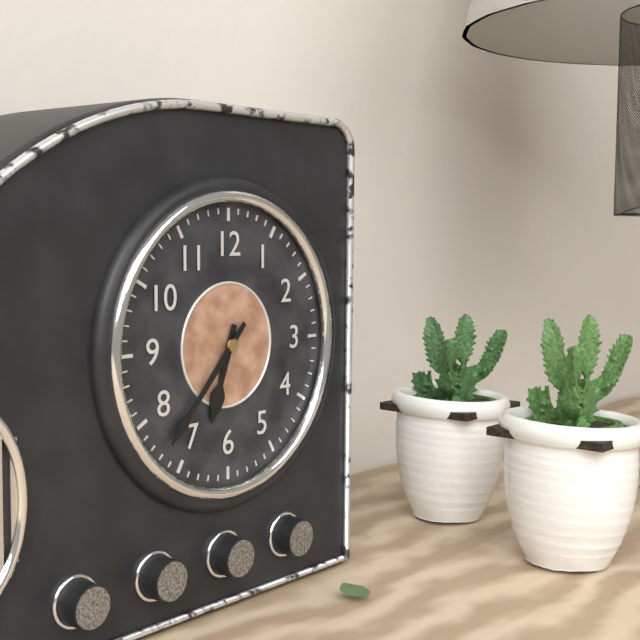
6:37
